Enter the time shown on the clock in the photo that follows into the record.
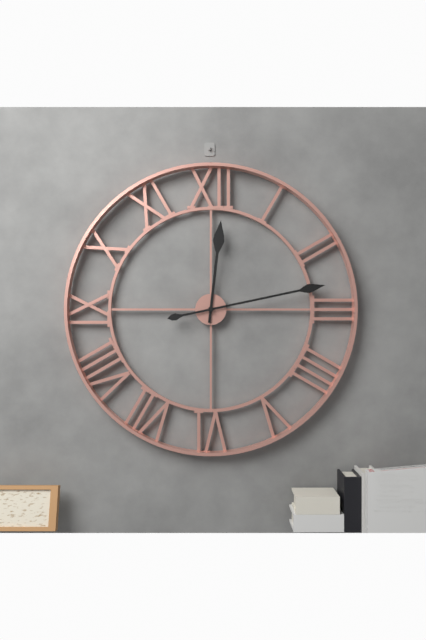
12:13
